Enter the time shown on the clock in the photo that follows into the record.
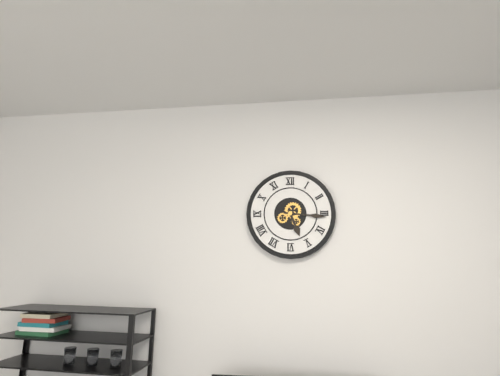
5:16
